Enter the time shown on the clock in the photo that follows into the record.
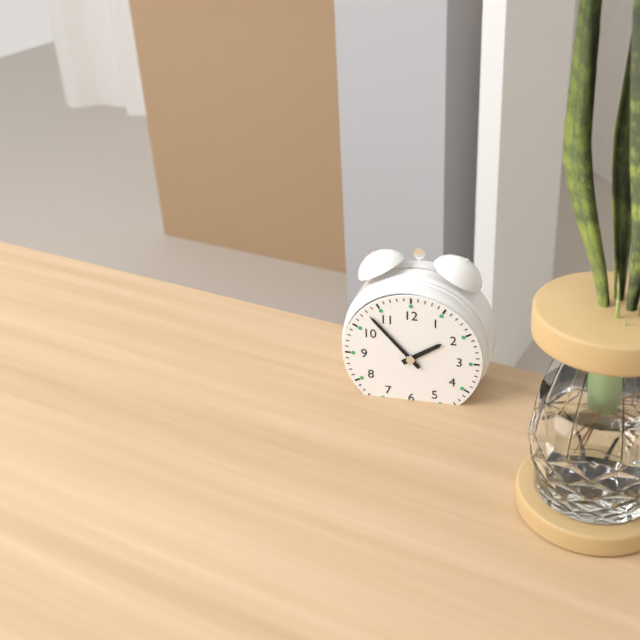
1:53
